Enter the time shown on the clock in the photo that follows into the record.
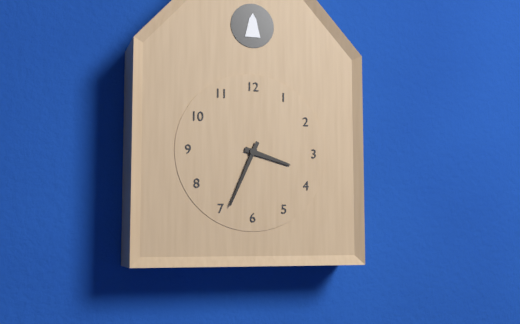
3:34
